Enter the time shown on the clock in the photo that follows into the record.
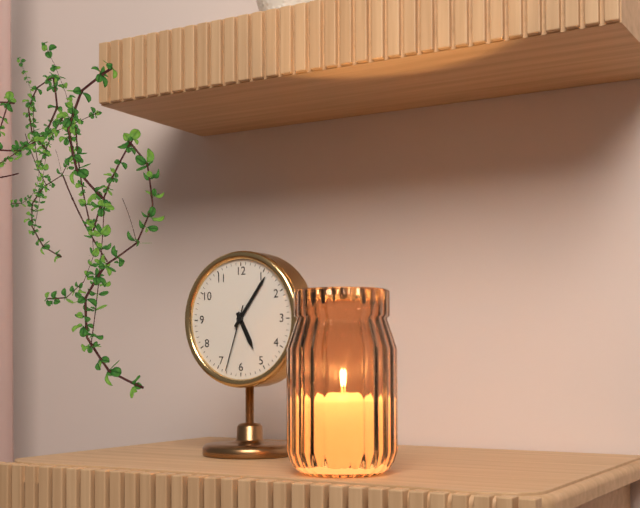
5:06:33
